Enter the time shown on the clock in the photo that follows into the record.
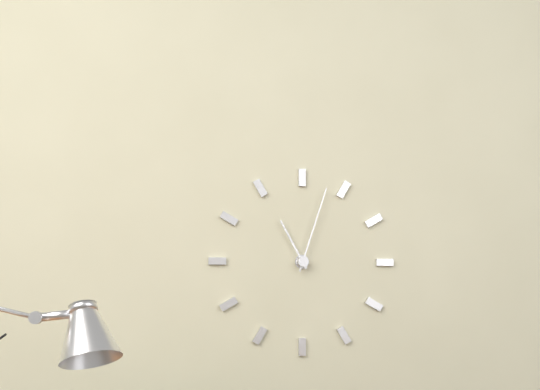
11:03
